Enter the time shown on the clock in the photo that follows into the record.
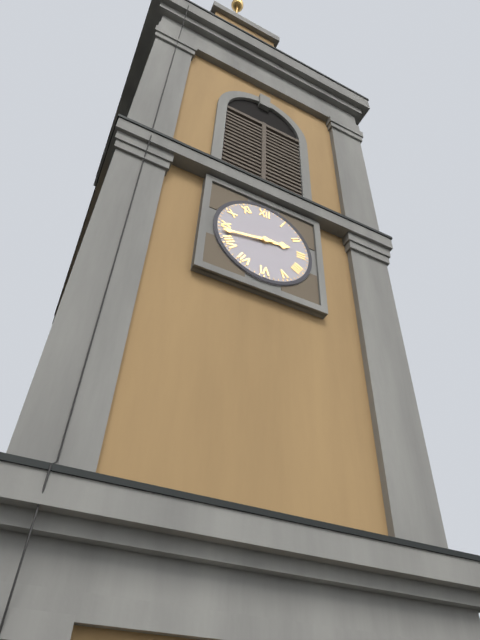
2:43
